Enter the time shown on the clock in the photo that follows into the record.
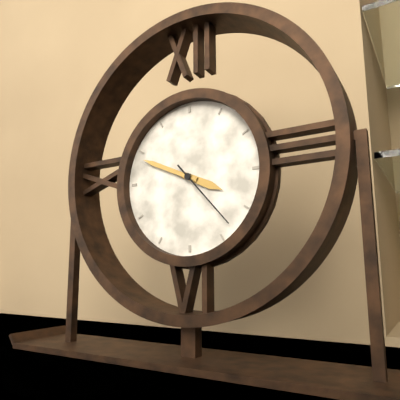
3:49:23
